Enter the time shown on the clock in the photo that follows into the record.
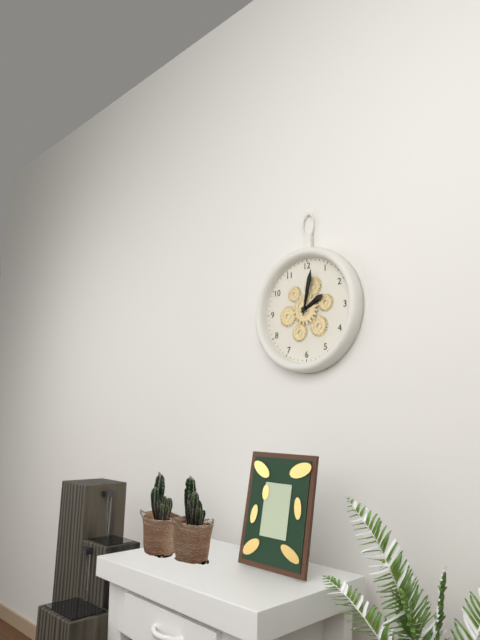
2:02
